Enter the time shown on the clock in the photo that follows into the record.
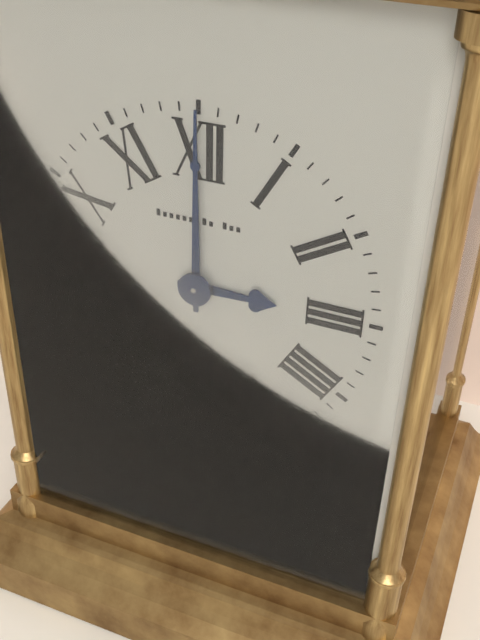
3:00
